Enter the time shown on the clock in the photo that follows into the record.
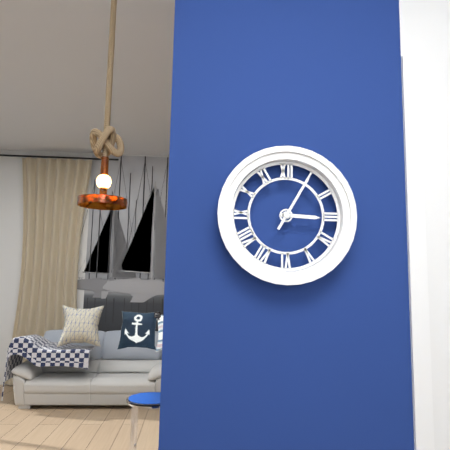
3:05
